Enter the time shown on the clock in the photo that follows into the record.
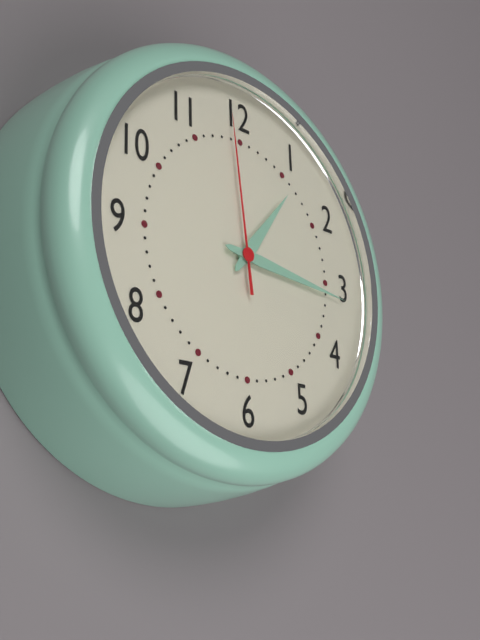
1:16:59
